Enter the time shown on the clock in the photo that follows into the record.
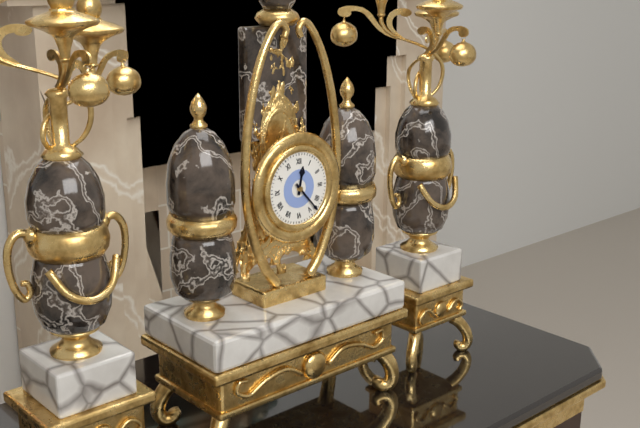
12:23
